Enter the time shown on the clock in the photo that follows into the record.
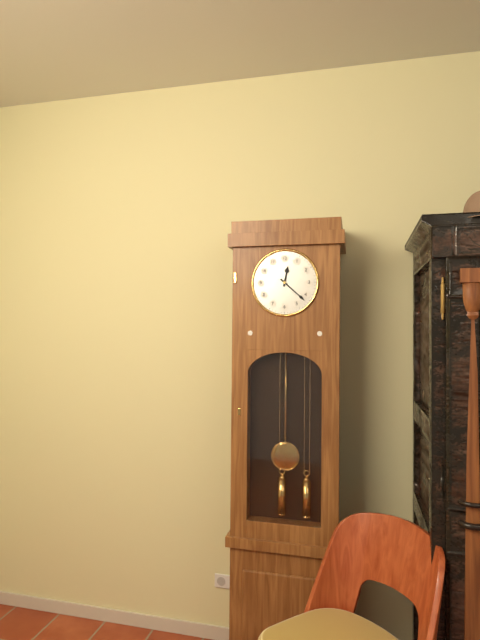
12:22
